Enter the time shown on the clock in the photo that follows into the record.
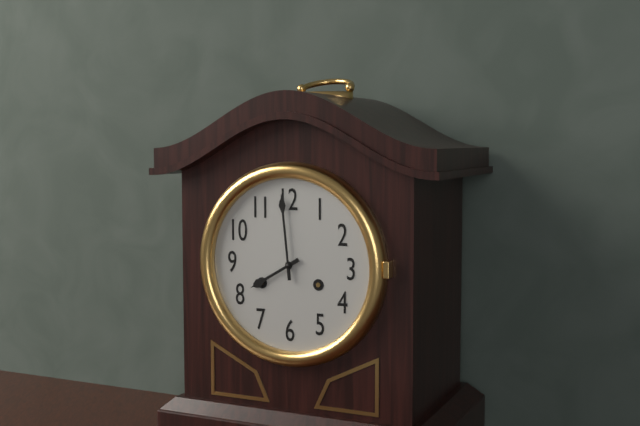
7:59
